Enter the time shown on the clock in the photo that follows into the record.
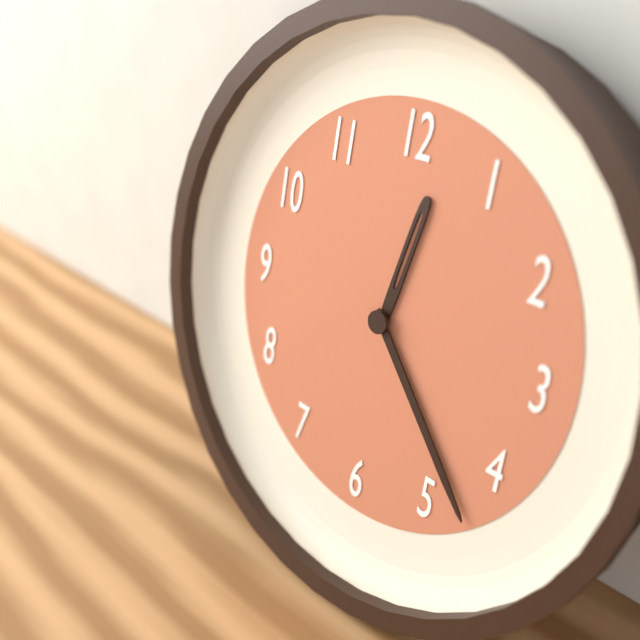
12:23
